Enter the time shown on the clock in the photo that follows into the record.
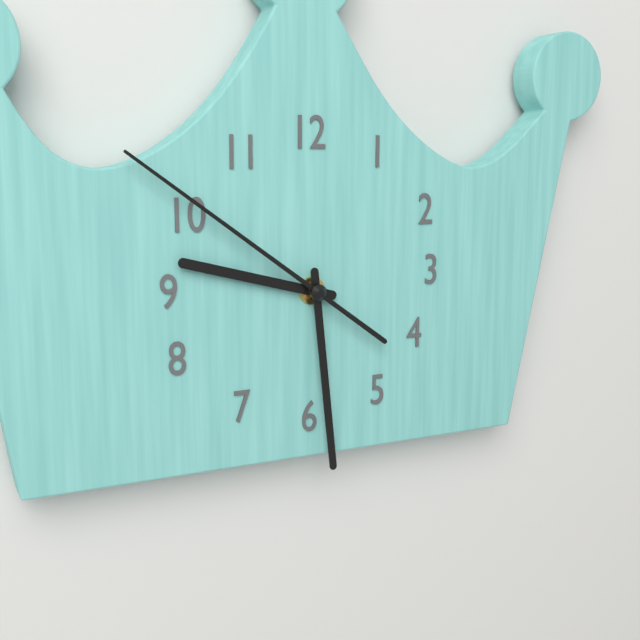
9:29:51
